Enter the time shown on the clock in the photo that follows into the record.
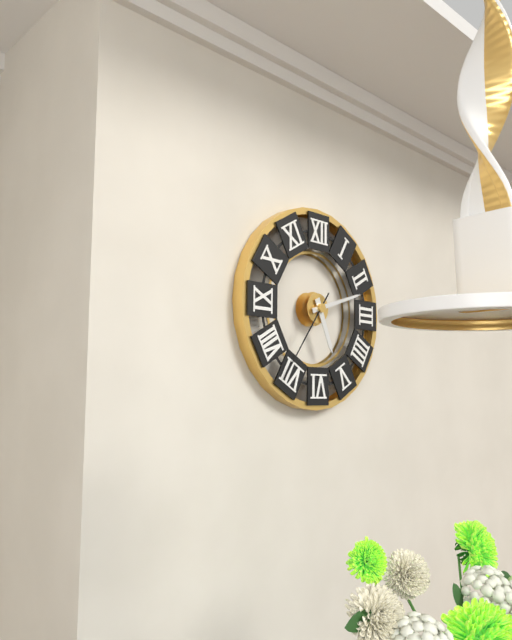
5:12:36
